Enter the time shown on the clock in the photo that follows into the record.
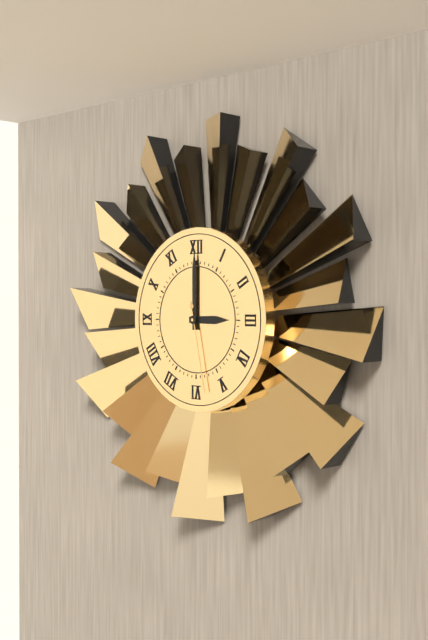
3:00:28
